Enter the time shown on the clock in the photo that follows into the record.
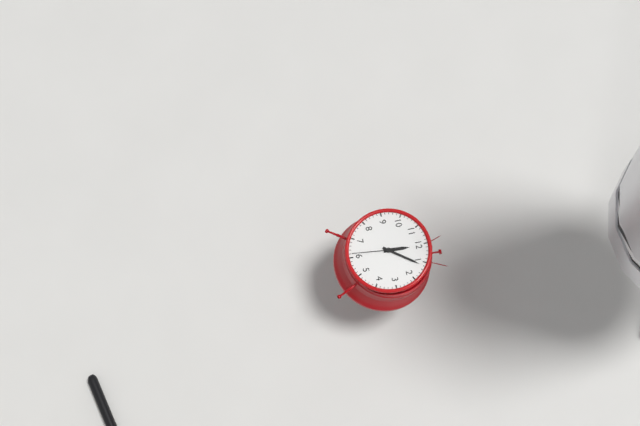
12:06
